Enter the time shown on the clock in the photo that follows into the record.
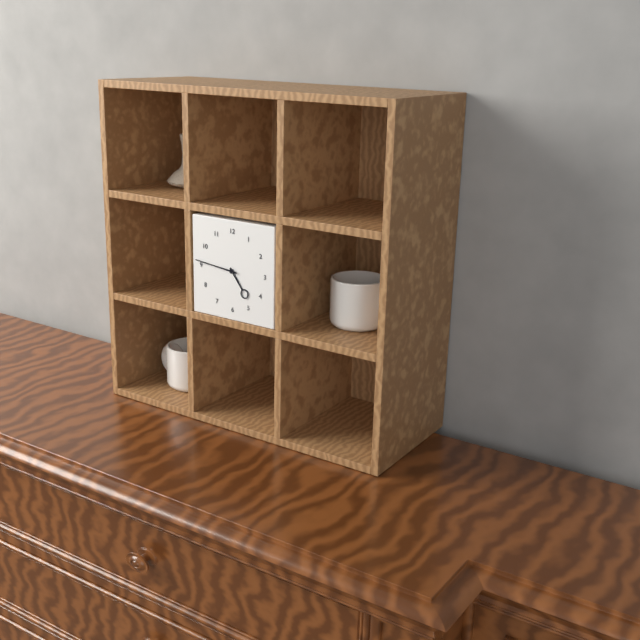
4:46
